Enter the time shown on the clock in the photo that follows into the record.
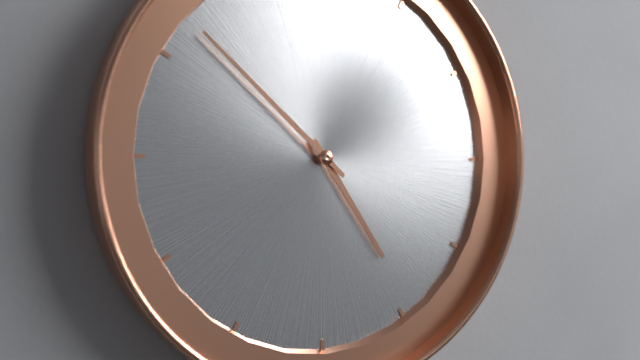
4:52
